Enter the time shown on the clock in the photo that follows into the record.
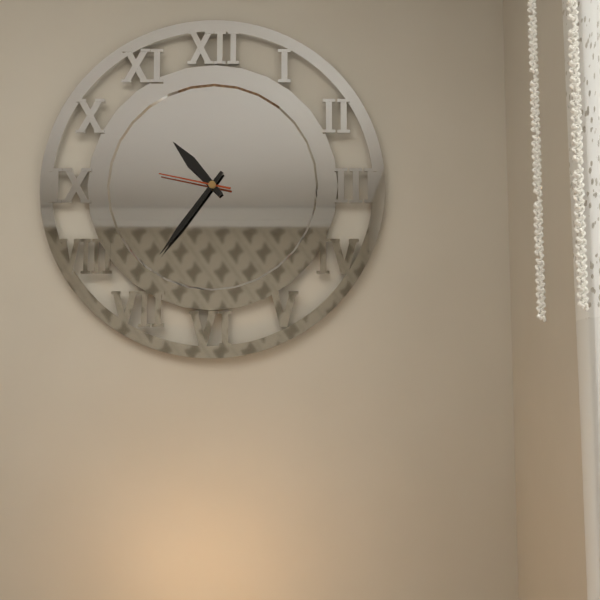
10:36:47
